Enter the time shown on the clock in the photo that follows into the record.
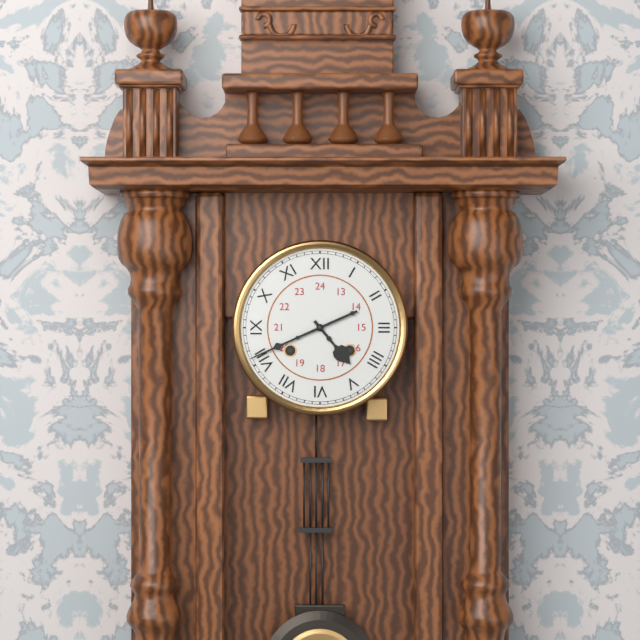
4:41
